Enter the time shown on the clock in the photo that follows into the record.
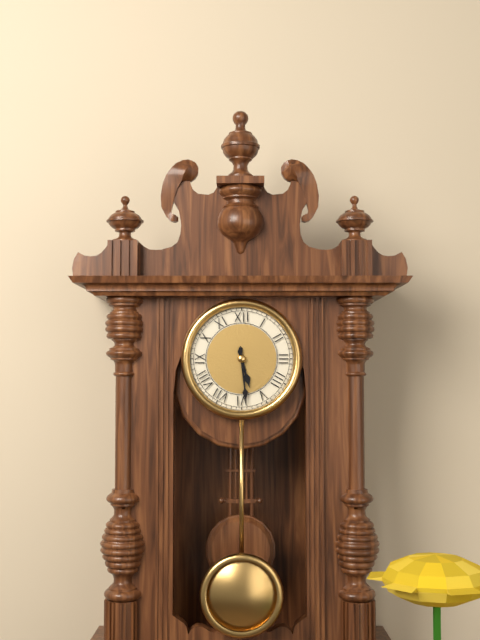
5:29
